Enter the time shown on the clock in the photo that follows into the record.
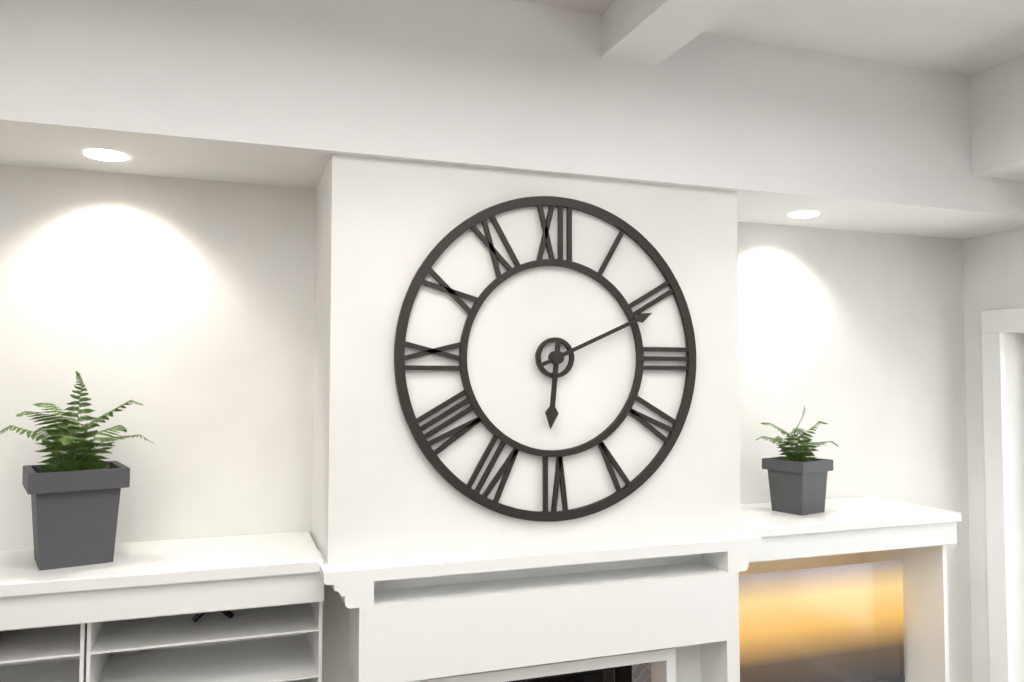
6:11
